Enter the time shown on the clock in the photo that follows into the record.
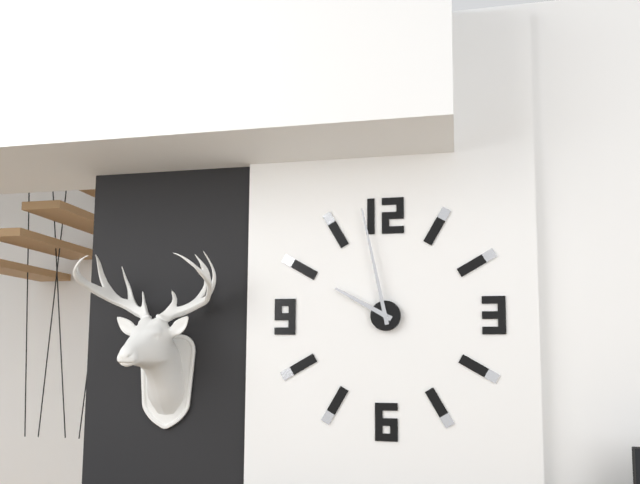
9:58
